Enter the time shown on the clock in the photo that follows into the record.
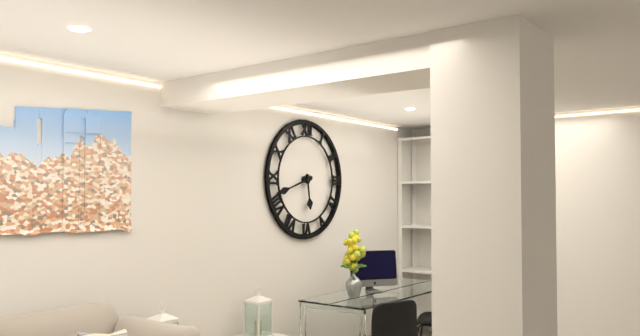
5:42
